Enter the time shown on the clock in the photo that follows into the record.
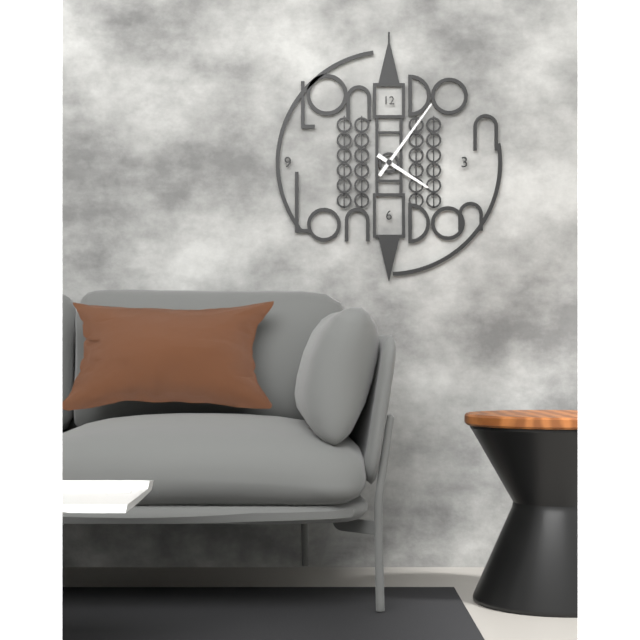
4:06
